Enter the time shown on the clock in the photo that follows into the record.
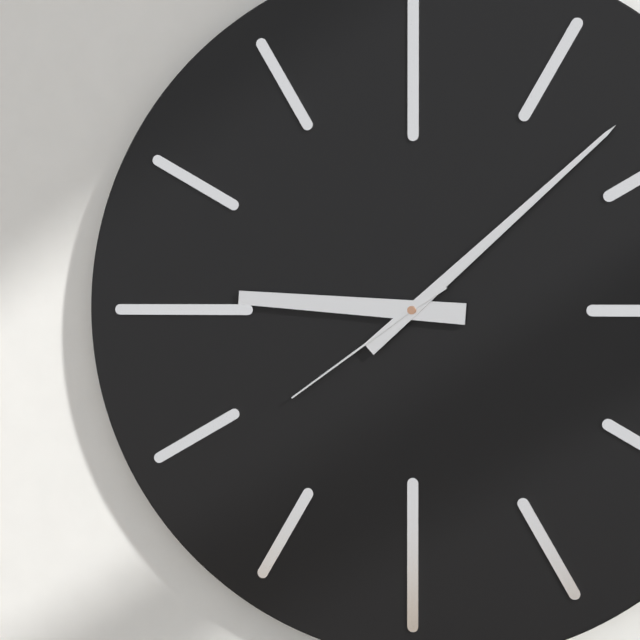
9:08:39
